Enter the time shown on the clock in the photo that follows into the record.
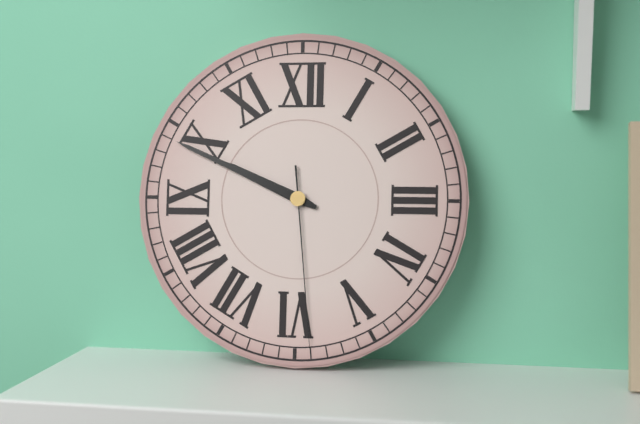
9:49:29
